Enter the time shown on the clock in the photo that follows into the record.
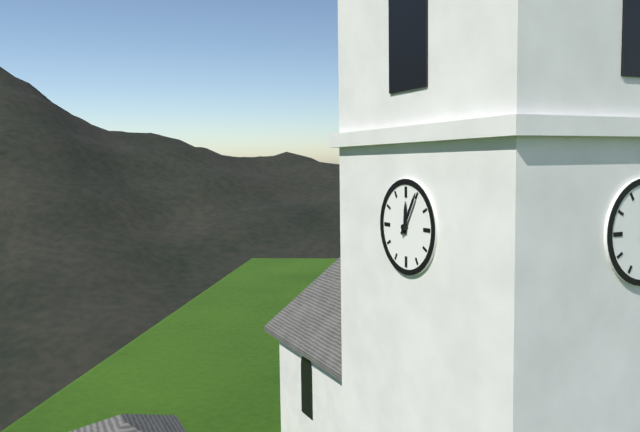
12:05
